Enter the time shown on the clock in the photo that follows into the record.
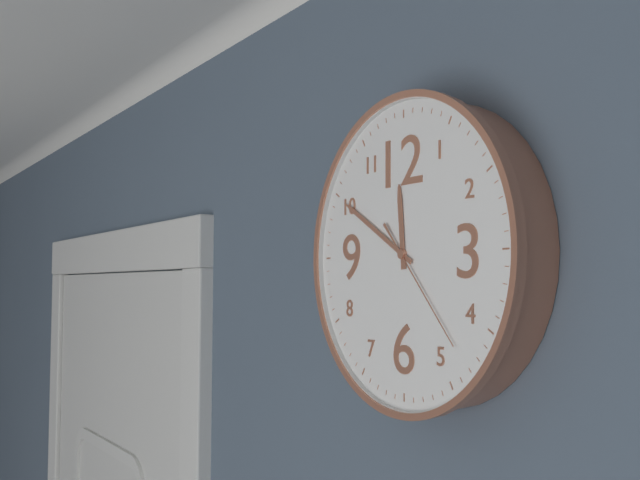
11:50:23
